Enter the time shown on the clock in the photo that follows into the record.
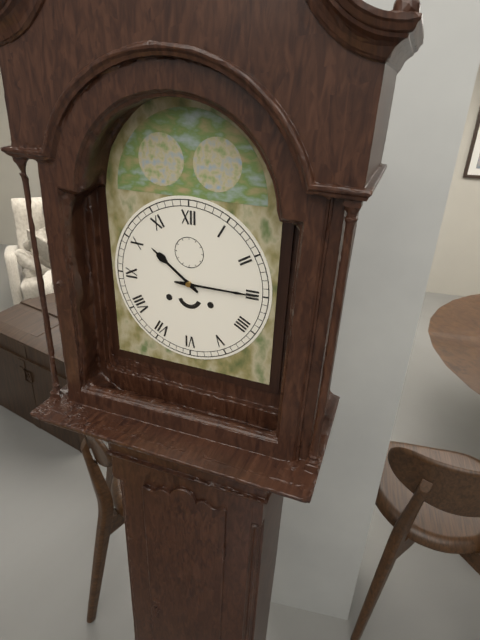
10:15
